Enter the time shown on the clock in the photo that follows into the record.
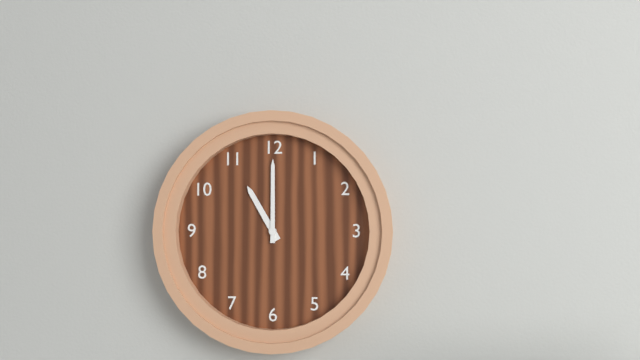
11:00
